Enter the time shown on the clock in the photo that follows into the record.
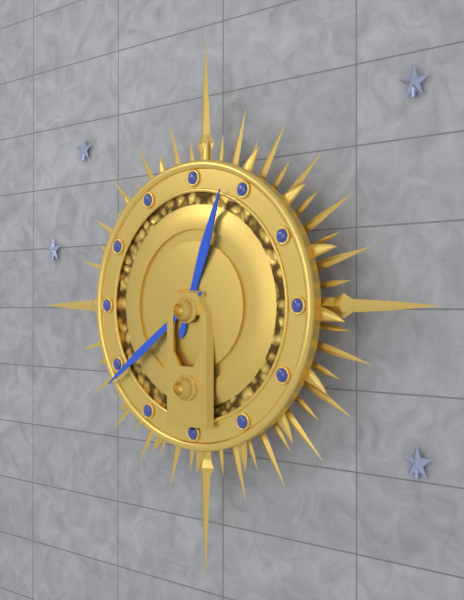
12:39
